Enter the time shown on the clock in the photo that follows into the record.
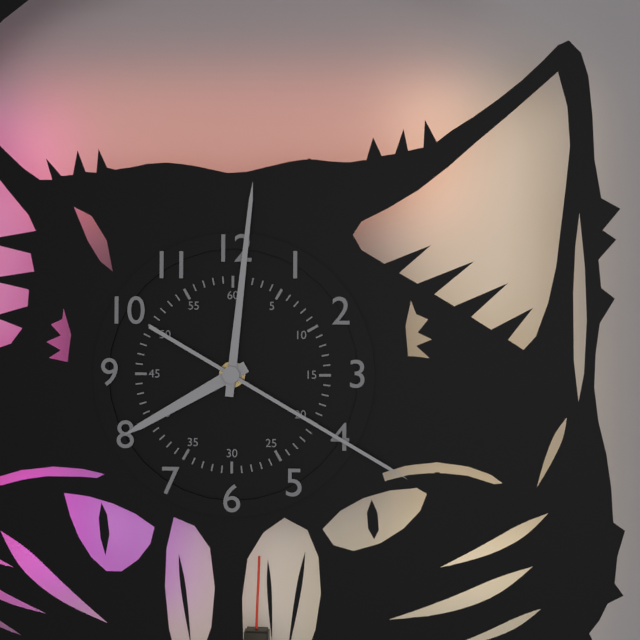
8:01:20
